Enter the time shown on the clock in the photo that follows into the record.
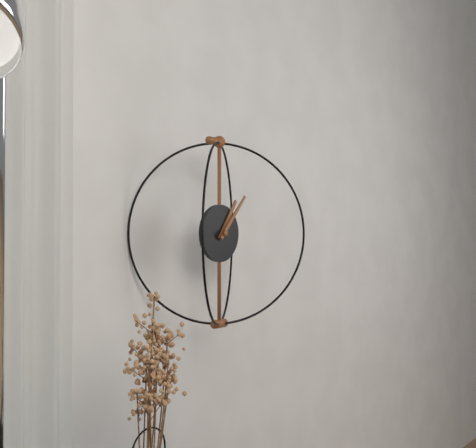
1:07
